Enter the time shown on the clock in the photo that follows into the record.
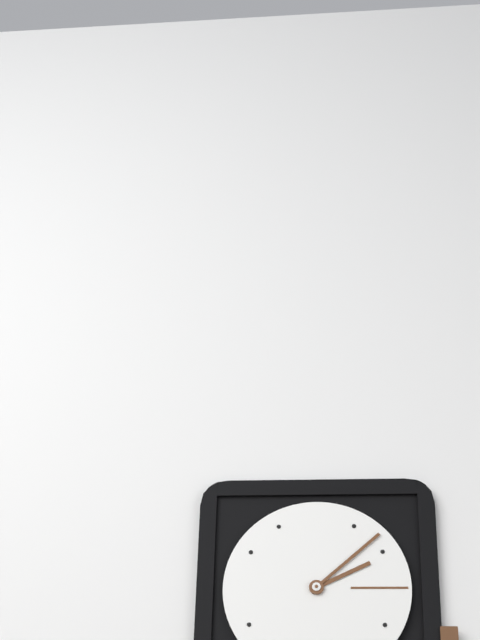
2:08
